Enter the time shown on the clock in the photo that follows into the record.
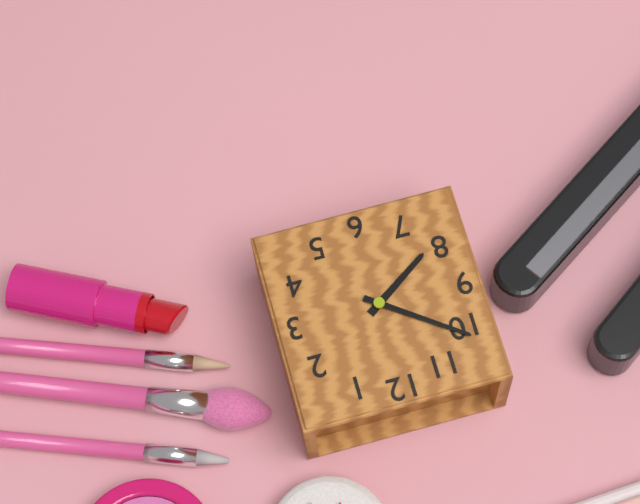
7:51
